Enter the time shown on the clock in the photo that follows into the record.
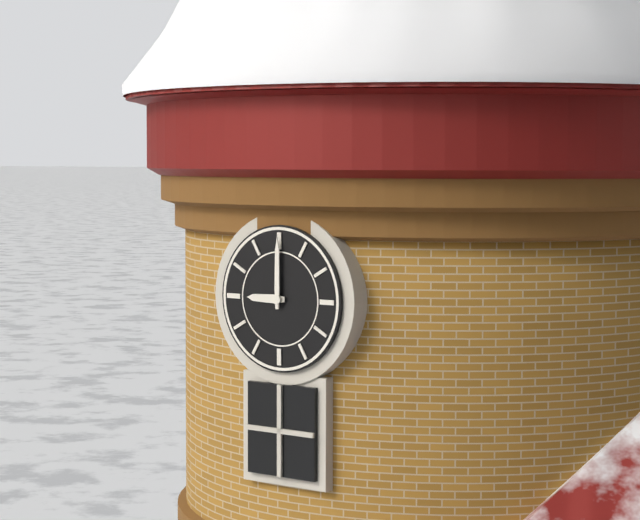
9:00
